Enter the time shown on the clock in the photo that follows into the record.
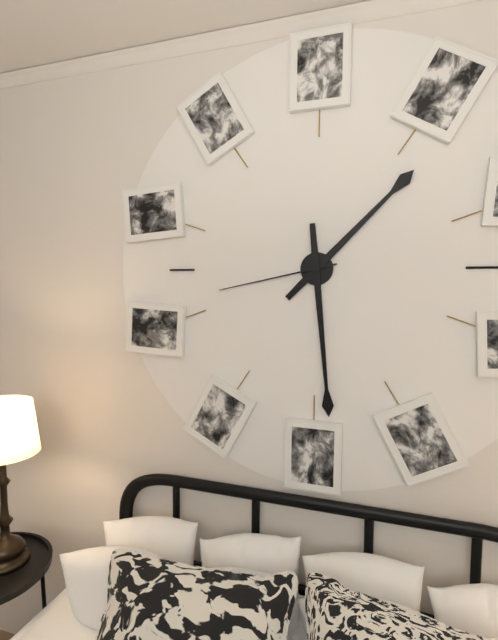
1:29:43
